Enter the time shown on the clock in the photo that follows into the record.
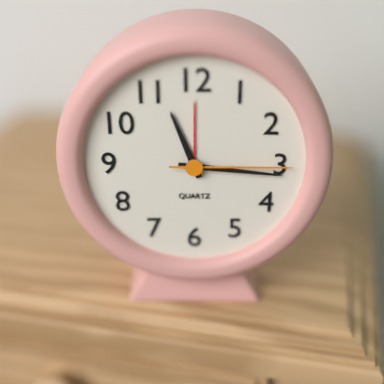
11:16:15
